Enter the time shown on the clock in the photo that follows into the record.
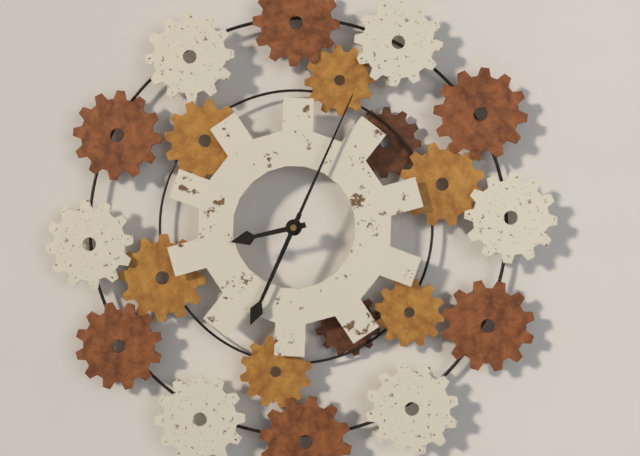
8:34:04
